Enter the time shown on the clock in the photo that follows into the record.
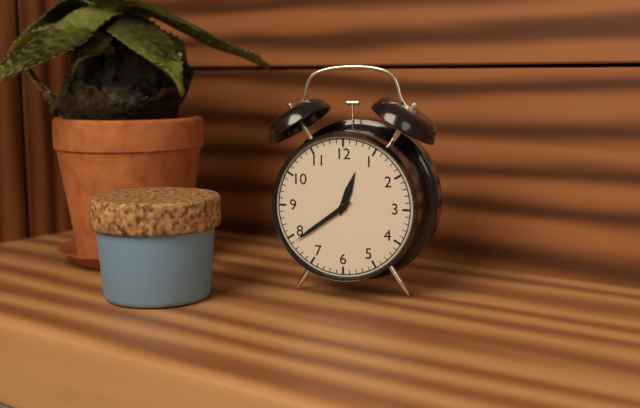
12:39
